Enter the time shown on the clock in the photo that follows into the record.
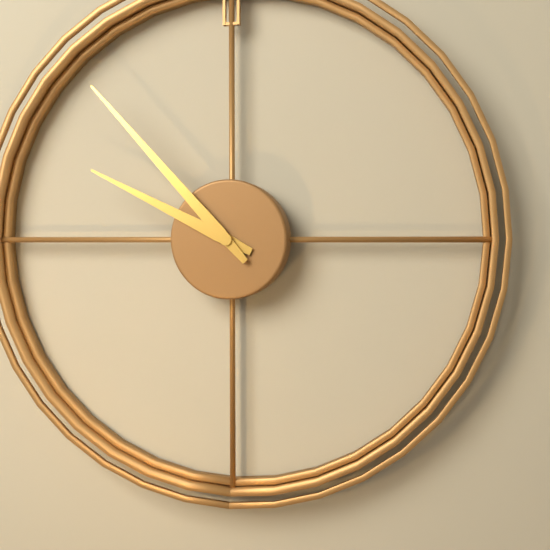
9:53
